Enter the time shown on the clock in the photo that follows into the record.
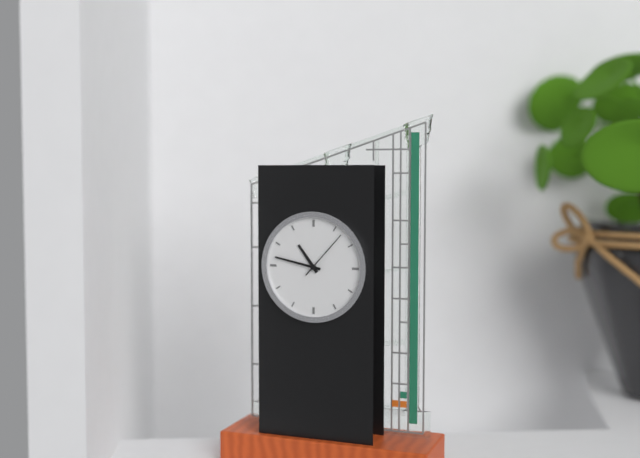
10:47:07
